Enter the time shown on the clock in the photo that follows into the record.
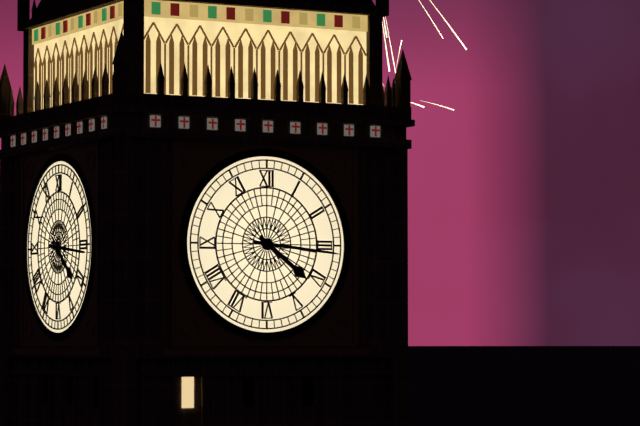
4:16
